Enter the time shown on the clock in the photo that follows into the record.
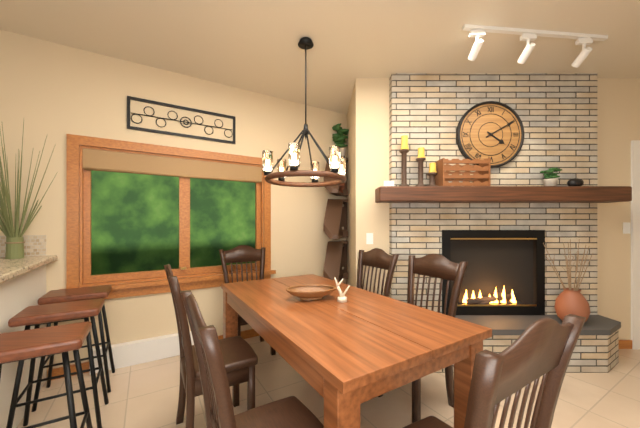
4:10
